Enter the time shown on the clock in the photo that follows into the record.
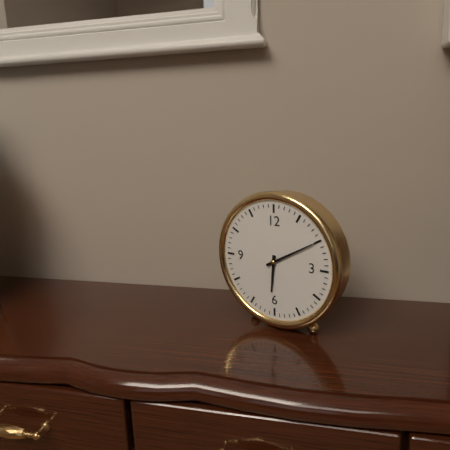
6:10
